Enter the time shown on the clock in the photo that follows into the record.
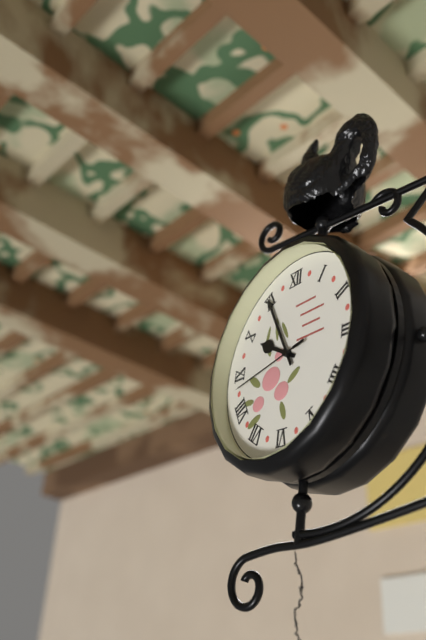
9:55:43
